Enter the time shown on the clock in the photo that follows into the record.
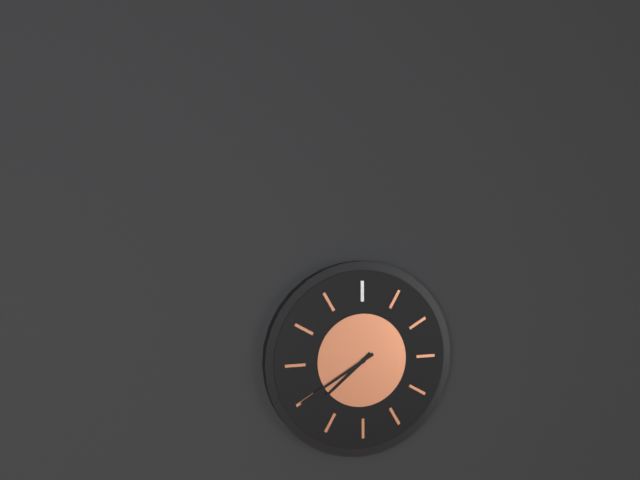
7:40
